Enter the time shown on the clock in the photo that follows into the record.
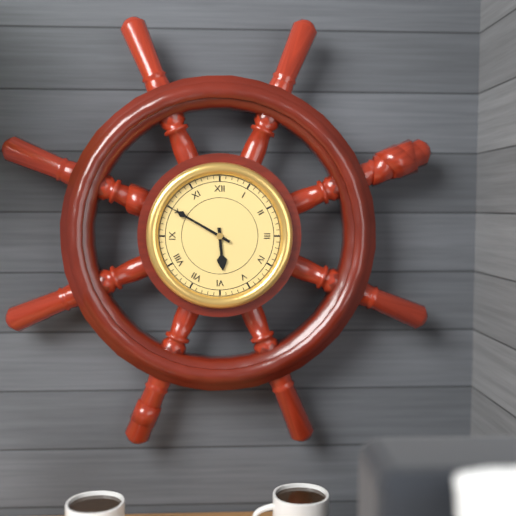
5:50
